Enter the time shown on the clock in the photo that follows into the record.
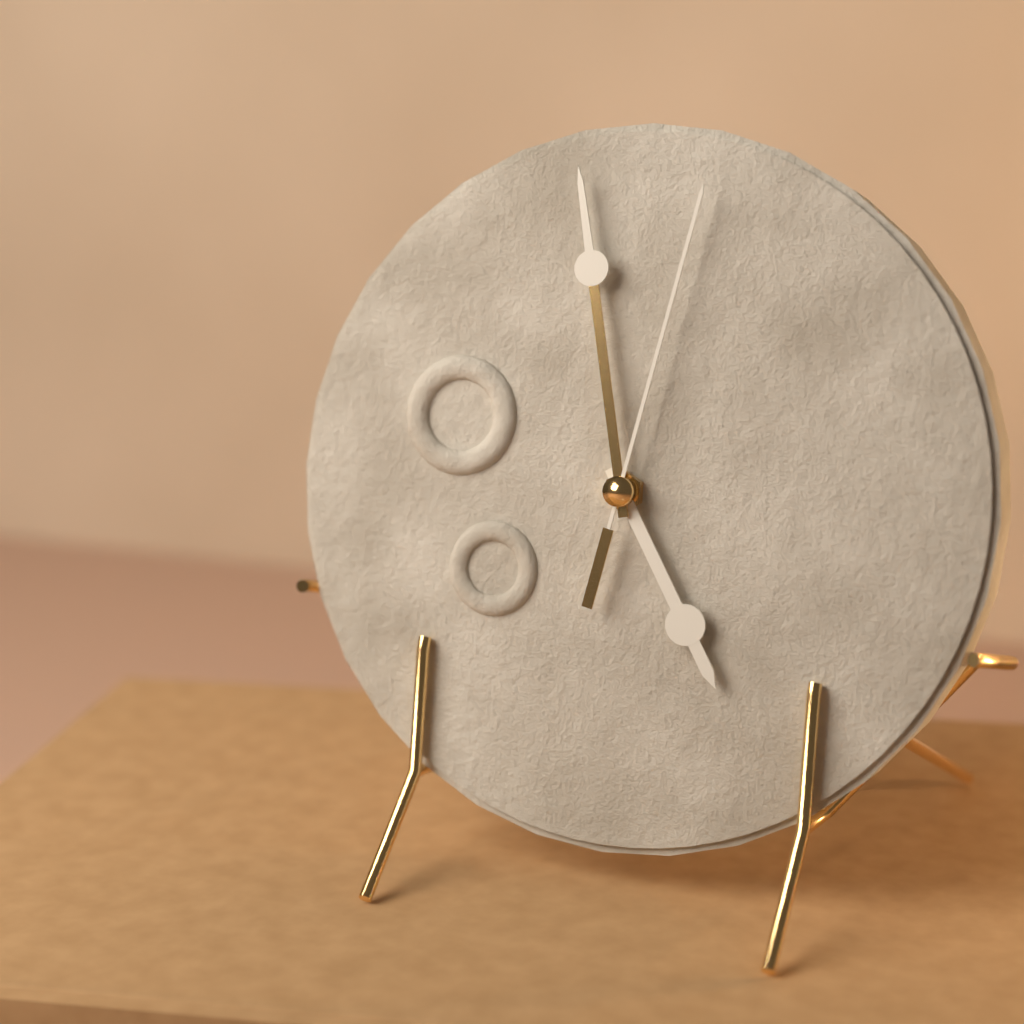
4:58:02
